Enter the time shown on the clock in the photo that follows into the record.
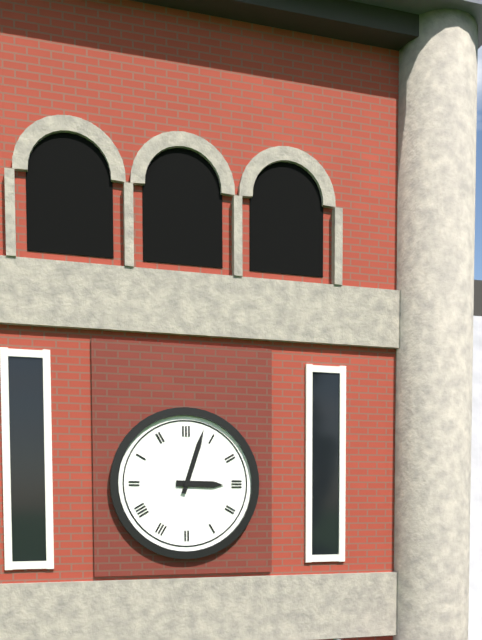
3:03
